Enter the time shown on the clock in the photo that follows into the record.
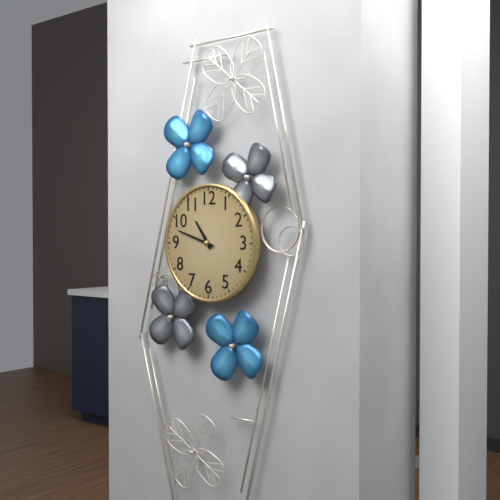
10:48
